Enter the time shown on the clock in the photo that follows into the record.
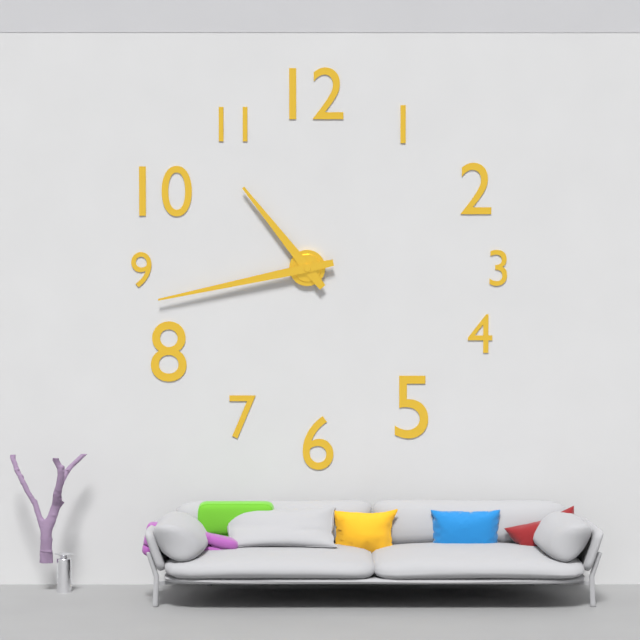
10:43
